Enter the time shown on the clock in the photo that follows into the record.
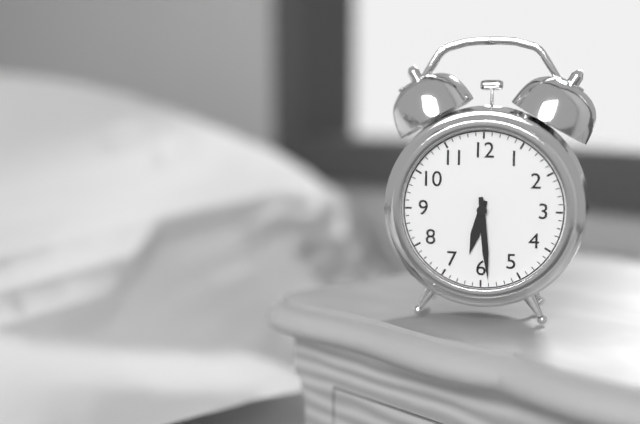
6:29
